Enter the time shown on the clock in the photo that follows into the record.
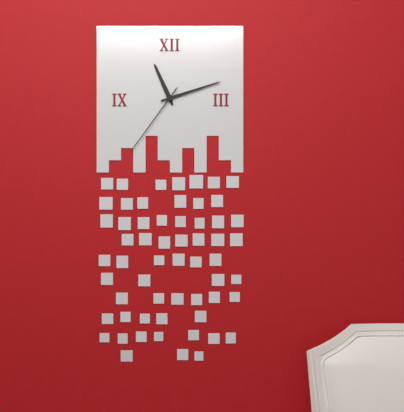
11:12:36
